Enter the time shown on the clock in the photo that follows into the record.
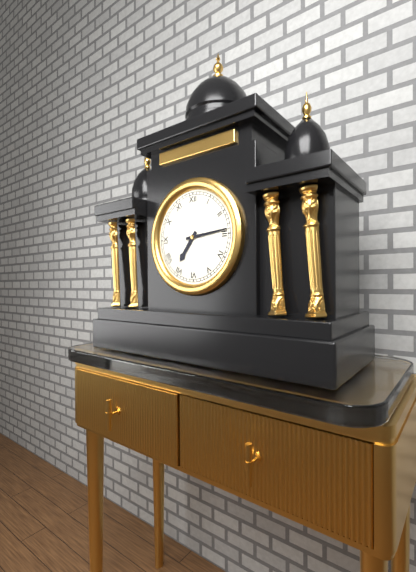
7:14
